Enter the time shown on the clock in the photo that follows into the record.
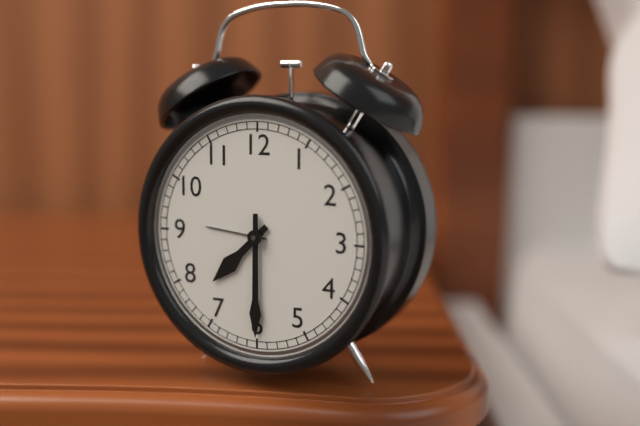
7:30
